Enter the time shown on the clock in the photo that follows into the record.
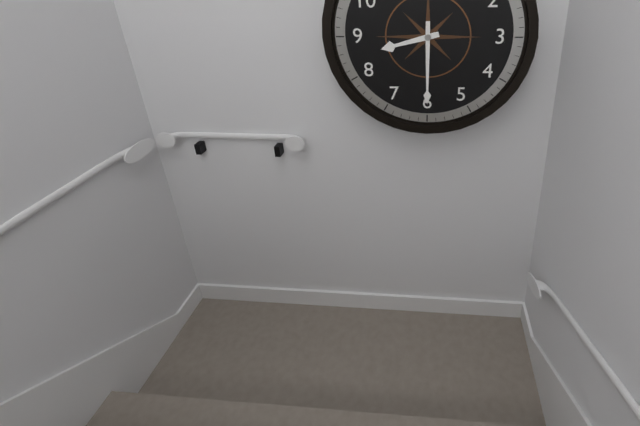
8:30
